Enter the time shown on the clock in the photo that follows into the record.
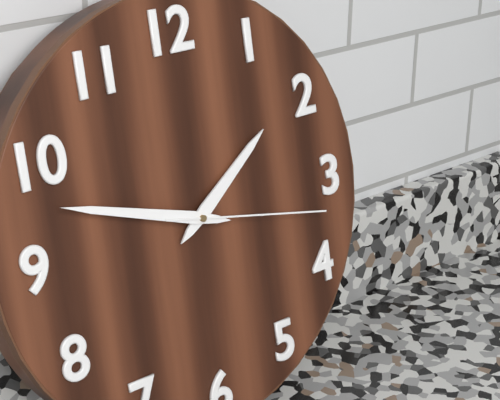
1:48:17
